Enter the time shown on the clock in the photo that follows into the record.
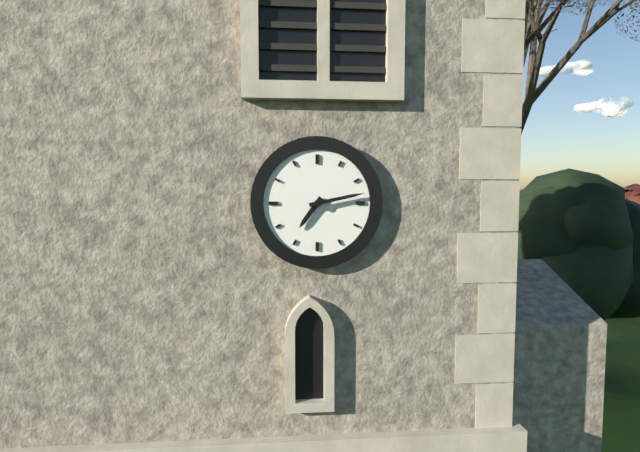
7:13
